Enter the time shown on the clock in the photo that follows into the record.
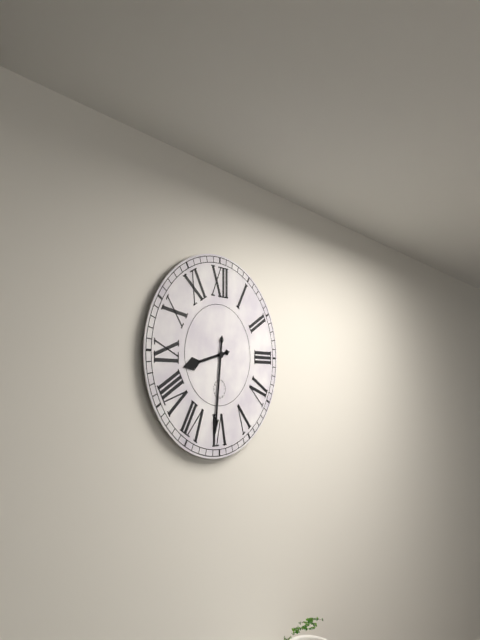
8:31
